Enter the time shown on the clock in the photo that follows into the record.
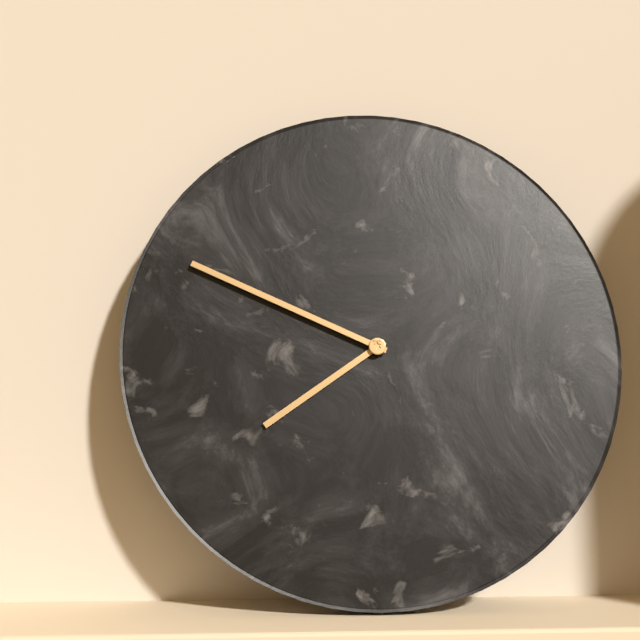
7:49
